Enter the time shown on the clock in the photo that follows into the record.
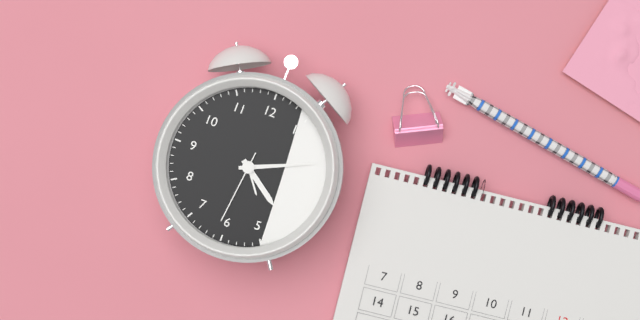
4:11:31
